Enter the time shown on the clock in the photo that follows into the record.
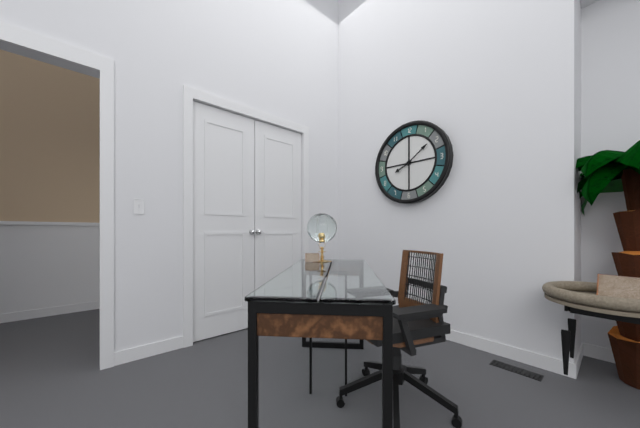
8:09
